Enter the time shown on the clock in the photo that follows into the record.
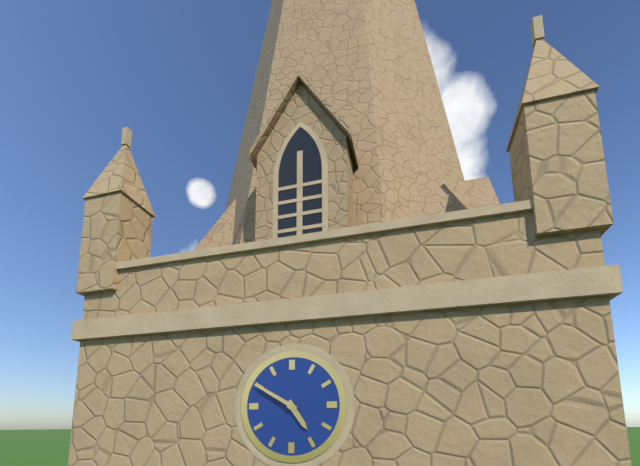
4:50
